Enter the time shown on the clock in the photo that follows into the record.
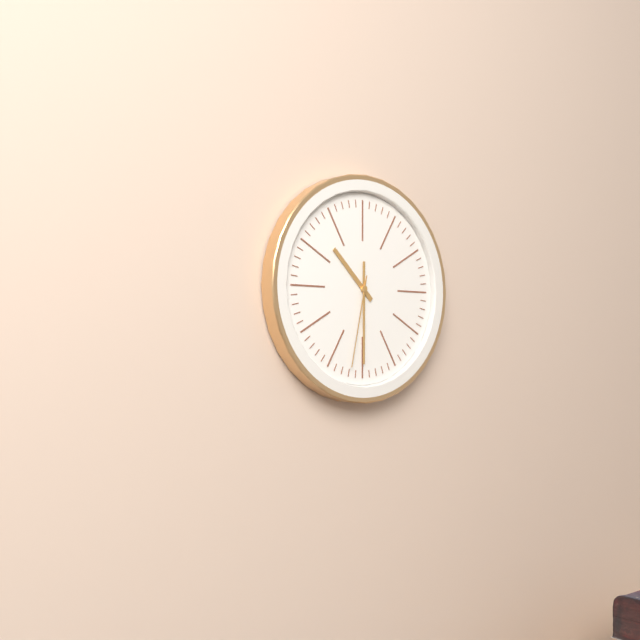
10:30:32
